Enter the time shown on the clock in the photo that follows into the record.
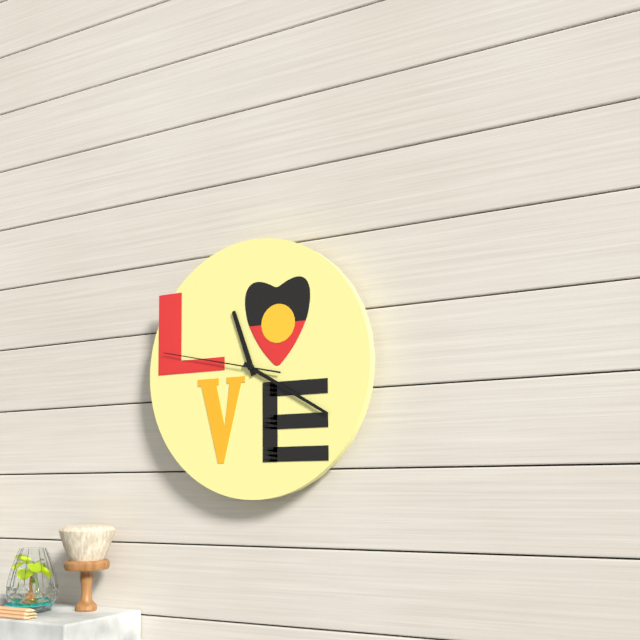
11:20:47
